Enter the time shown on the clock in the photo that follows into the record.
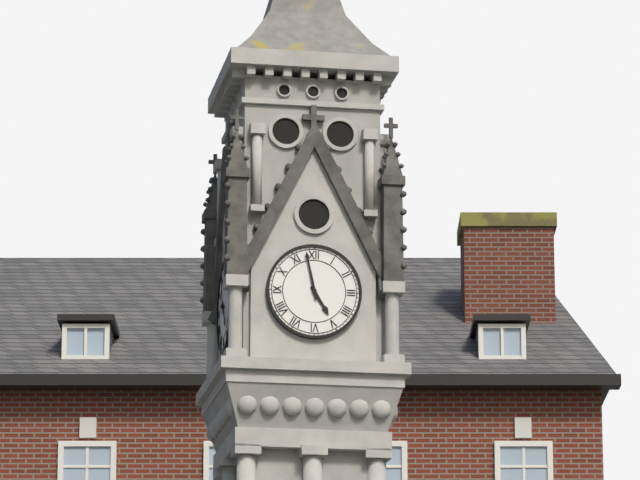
4:58
